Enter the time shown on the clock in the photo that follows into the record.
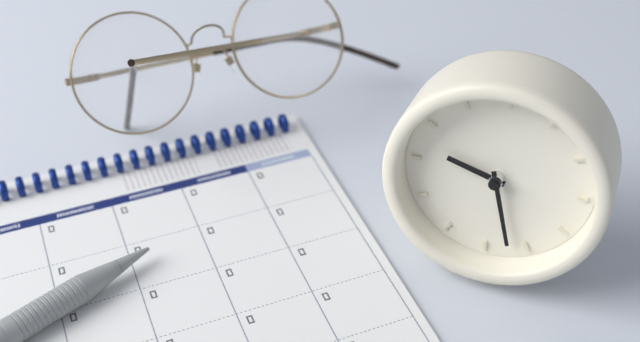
9:27
